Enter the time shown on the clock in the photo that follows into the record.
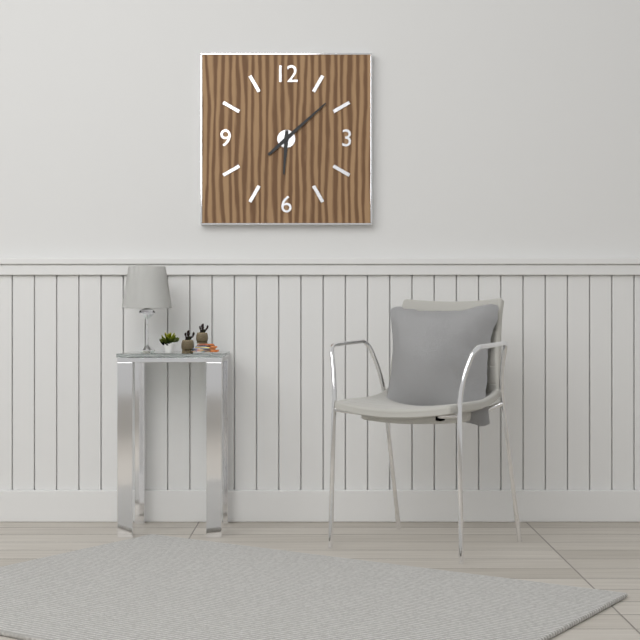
6:08
